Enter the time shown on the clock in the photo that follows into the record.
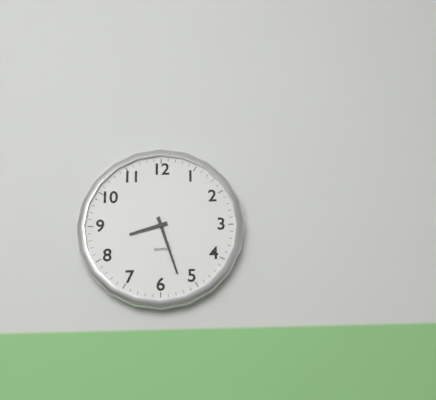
8:27
